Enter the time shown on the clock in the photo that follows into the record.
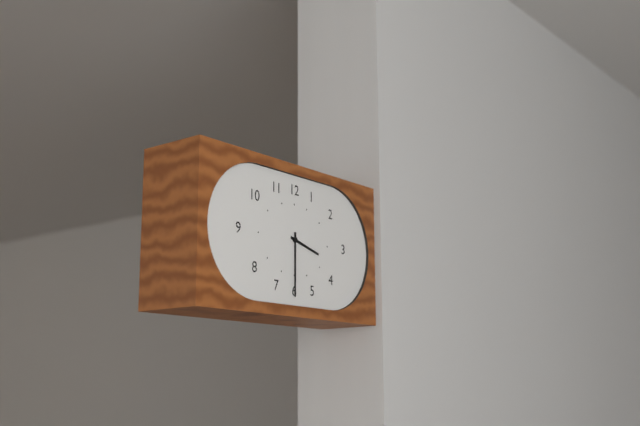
3:30
